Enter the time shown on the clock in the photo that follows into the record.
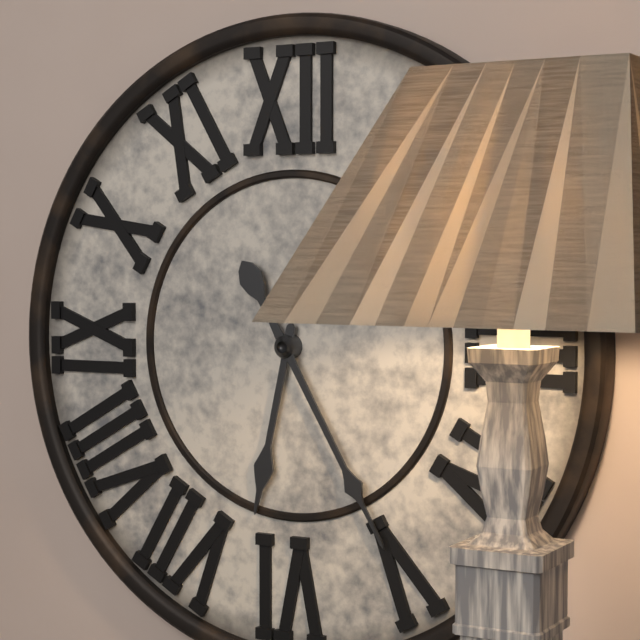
6:25
